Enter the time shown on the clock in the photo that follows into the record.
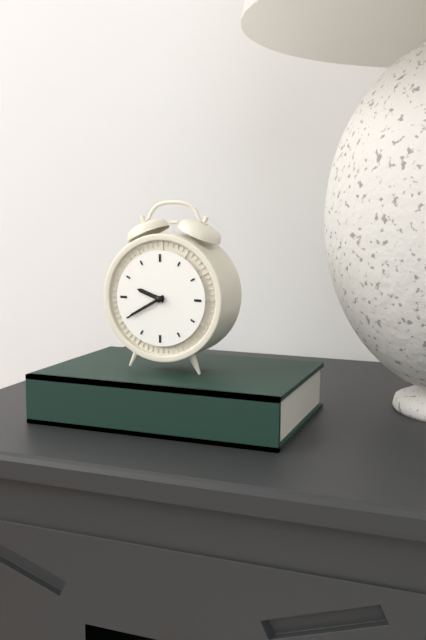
9:40
